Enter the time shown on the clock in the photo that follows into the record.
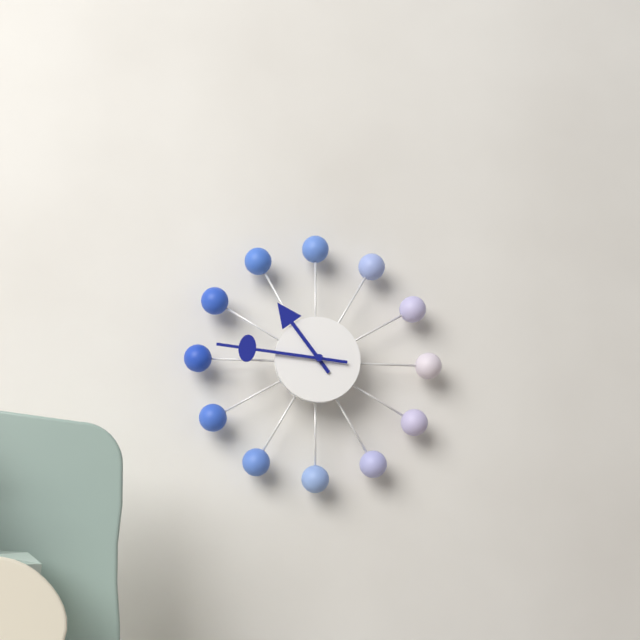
10:46
